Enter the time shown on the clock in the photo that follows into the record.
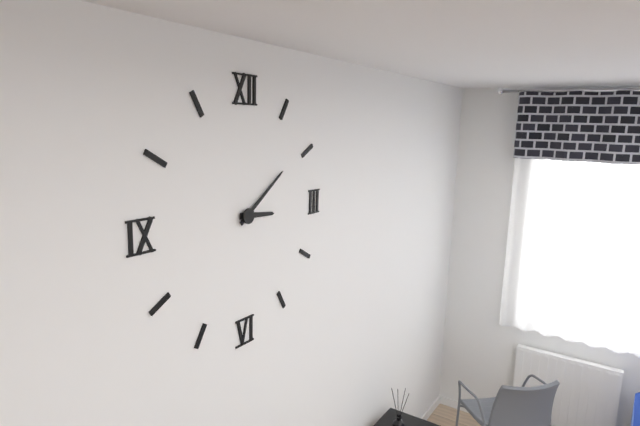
3:09
